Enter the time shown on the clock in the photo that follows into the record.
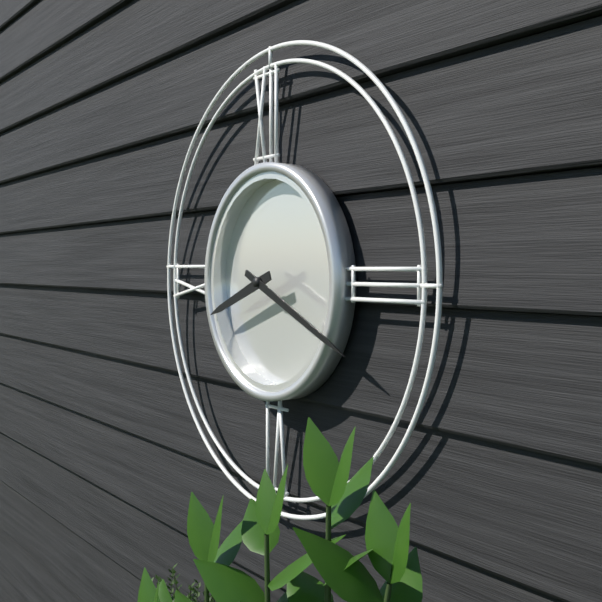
8:19
